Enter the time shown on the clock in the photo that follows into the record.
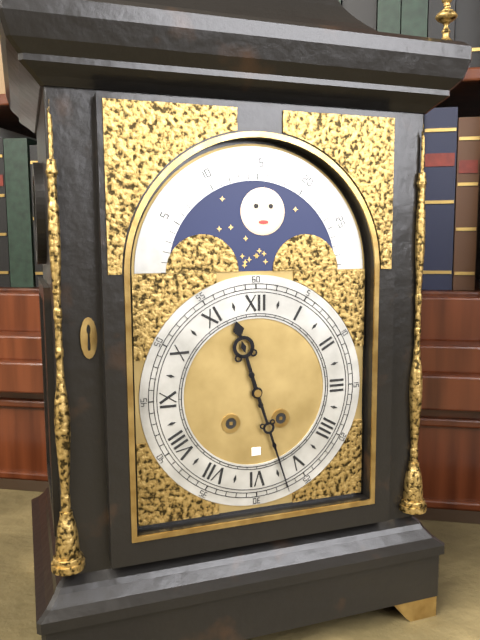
11:27
